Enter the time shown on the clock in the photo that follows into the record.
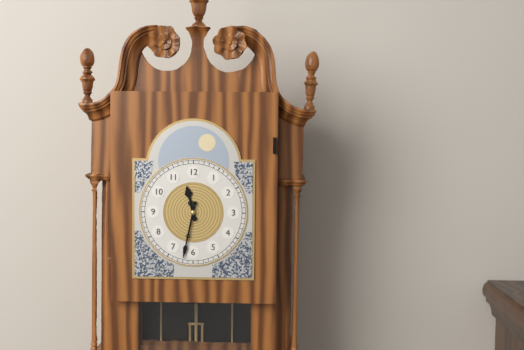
11:32
